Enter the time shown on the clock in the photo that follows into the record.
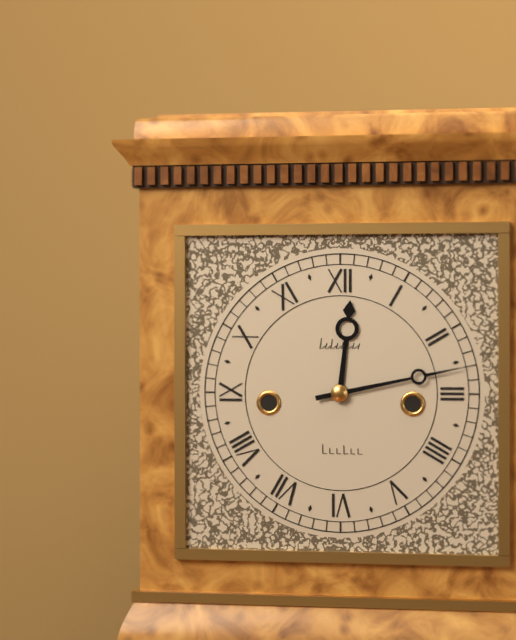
12:13
